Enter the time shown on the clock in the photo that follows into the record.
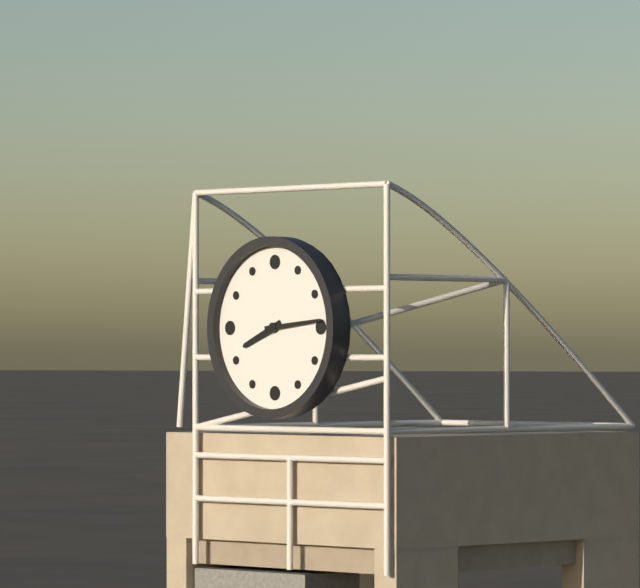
8:14
